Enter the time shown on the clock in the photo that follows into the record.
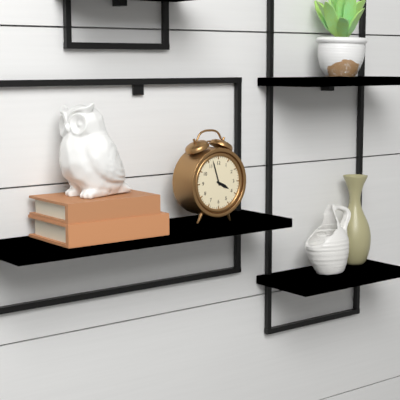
3:57
